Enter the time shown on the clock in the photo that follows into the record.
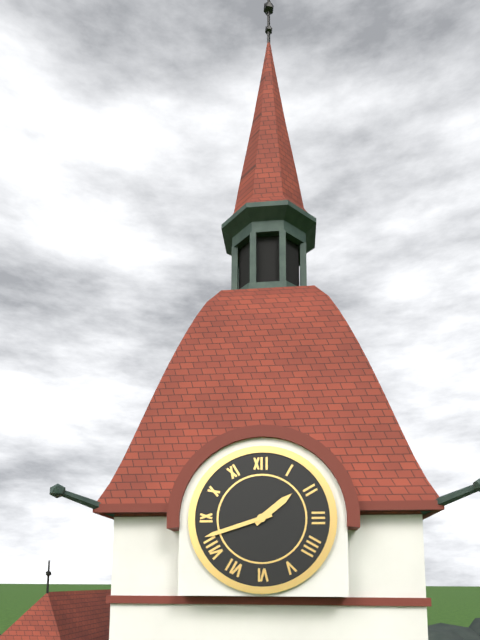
1:42
